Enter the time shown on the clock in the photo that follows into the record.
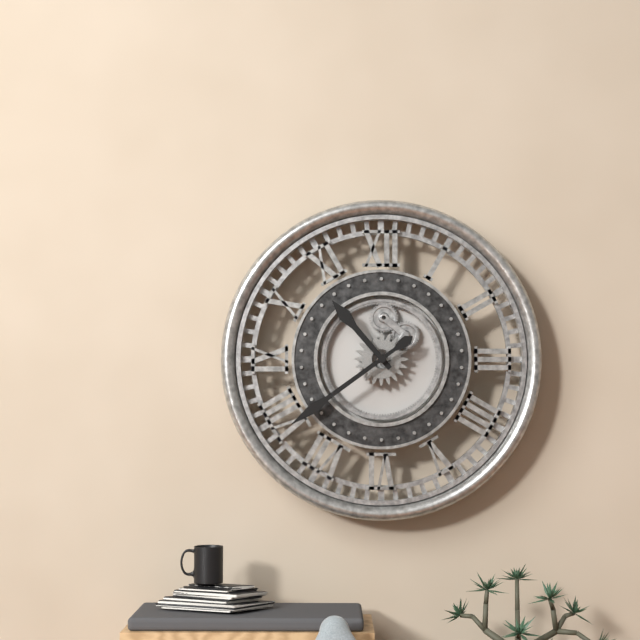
10:39
